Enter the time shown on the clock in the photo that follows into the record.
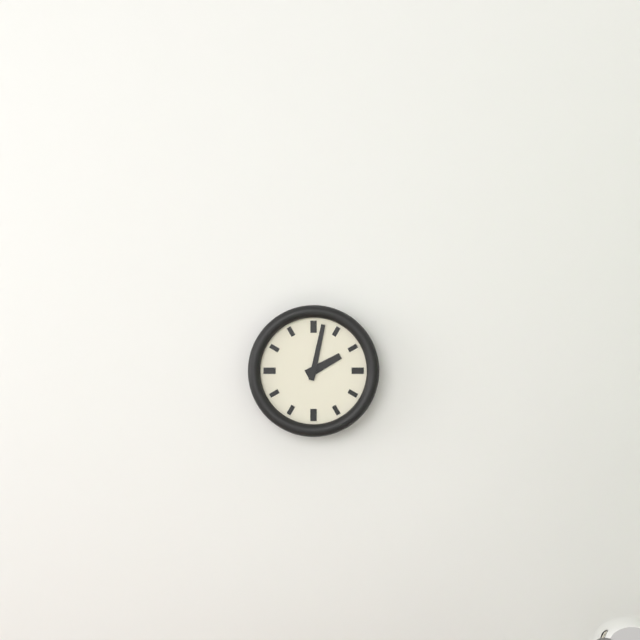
2:02
